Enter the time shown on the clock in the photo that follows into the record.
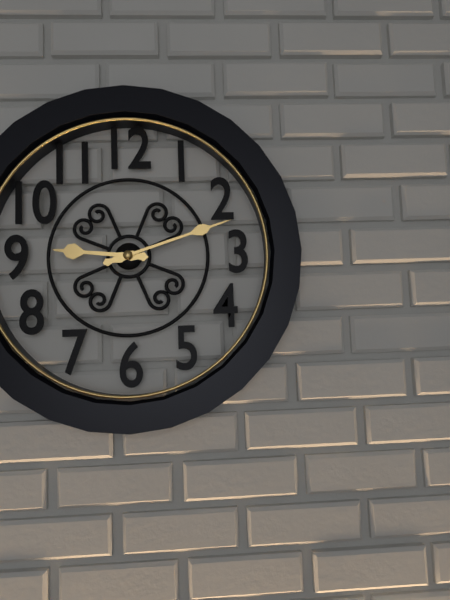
9:12
